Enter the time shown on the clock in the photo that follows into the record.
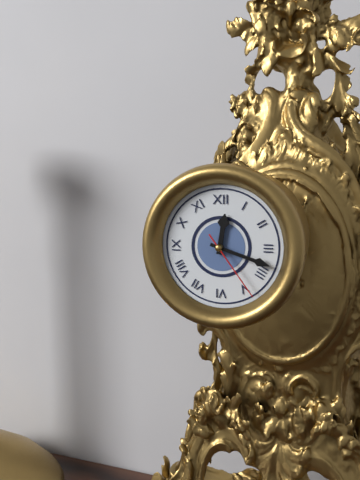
12:18:24
